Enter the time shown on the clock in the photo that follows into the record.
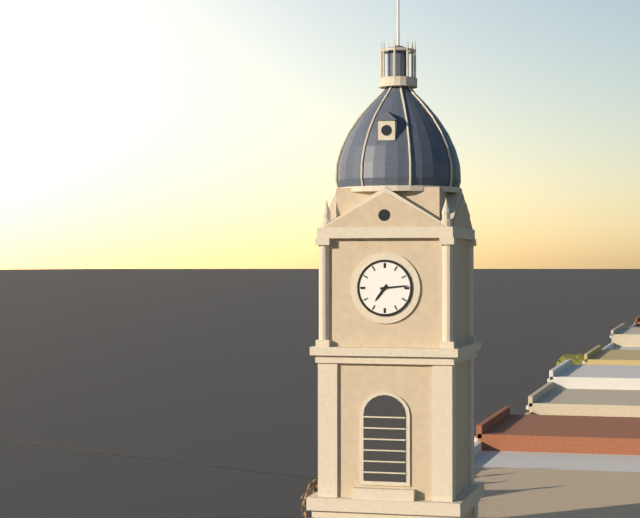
7:14
